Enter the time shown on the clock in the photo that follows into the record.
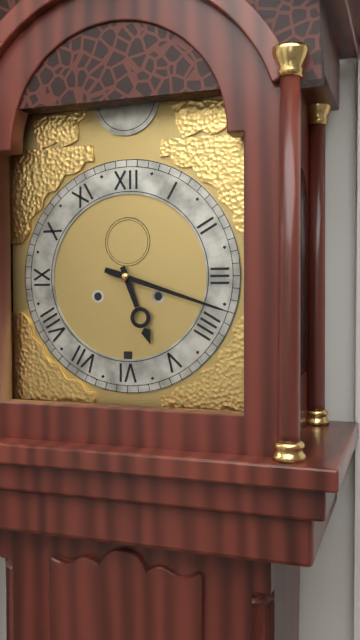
5:18
